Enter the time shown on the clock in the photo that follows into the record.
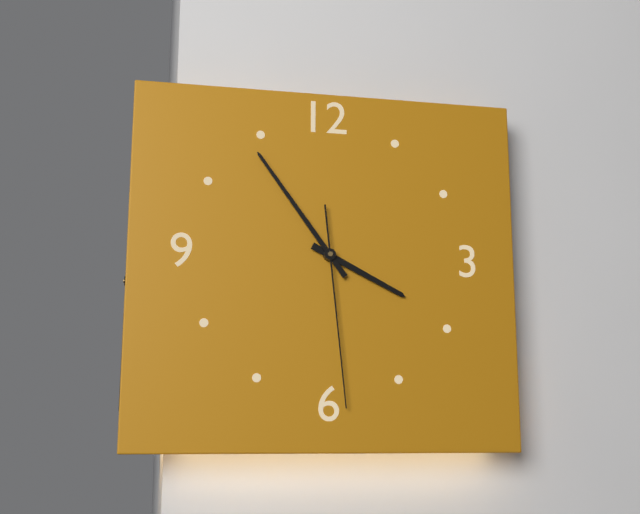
3:54:29
